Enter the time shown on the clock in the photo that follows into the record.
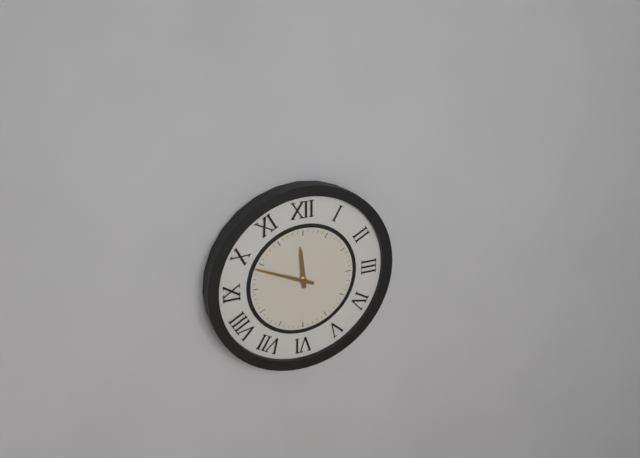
11:49
